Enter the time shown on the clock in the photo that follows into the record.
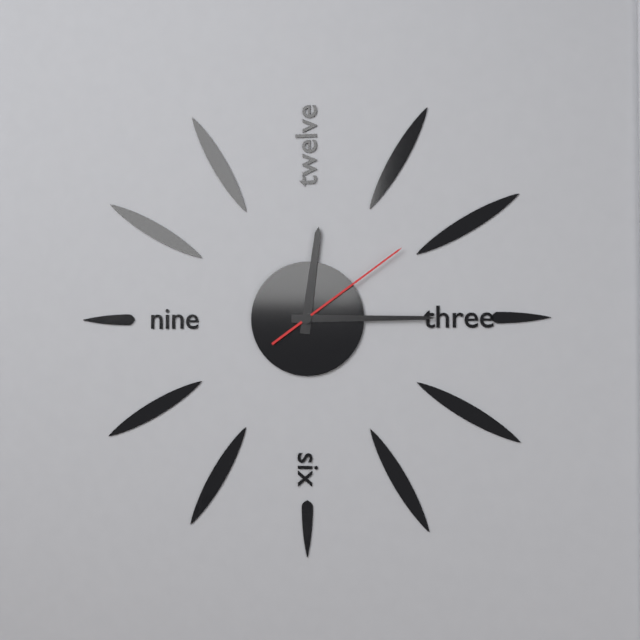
12:15:09
